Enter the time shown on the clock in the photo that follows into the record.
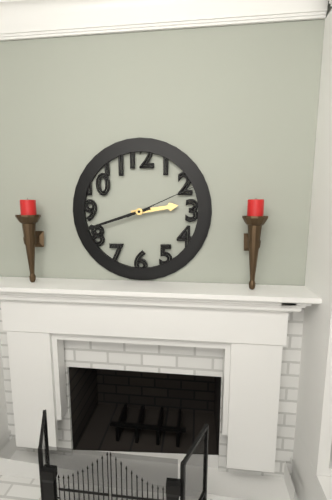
2:42:11
